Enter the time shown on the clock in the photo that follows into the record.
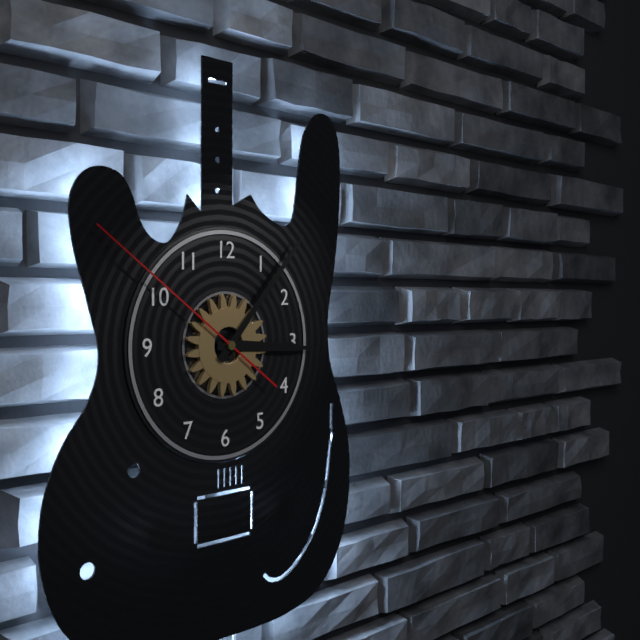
3:07:51
